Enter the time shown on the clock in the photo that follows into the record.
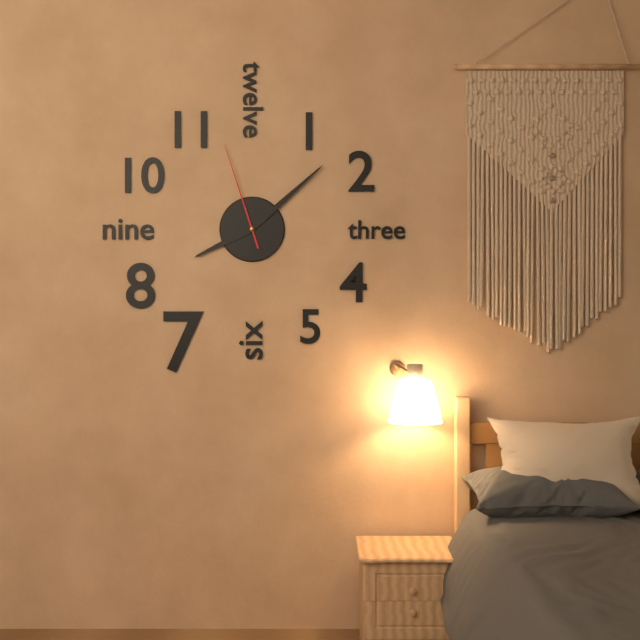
8:08:57
